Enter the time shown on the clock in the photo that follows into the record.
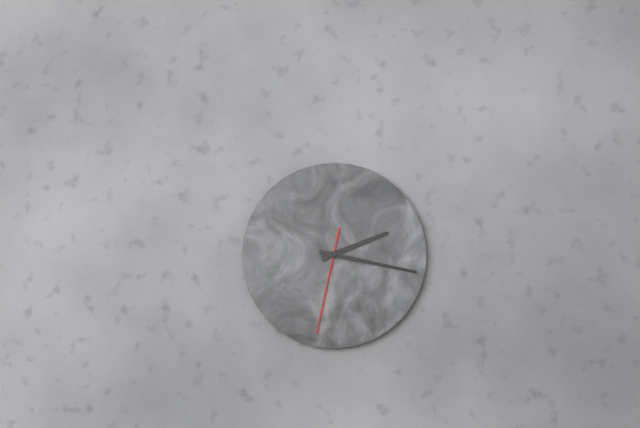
2:17:32
